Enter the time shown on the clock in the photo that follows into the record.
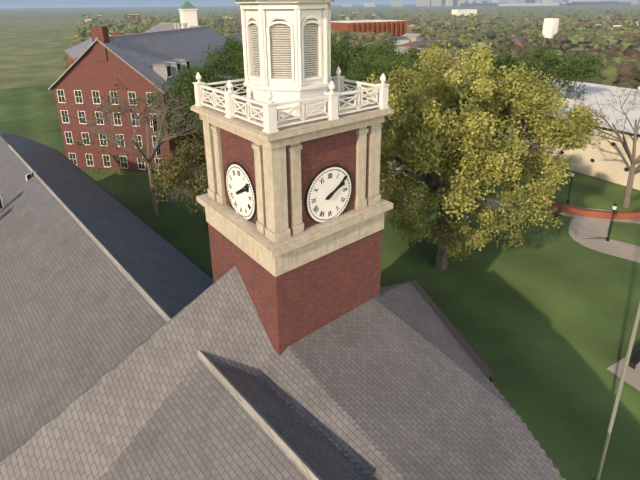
2:09
